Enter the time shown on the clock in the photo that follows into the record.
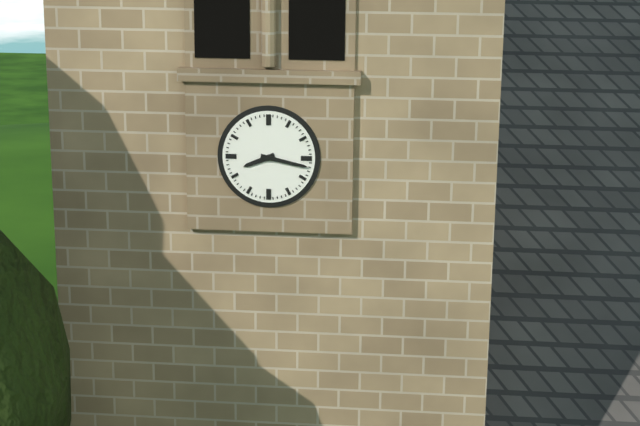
8:17
